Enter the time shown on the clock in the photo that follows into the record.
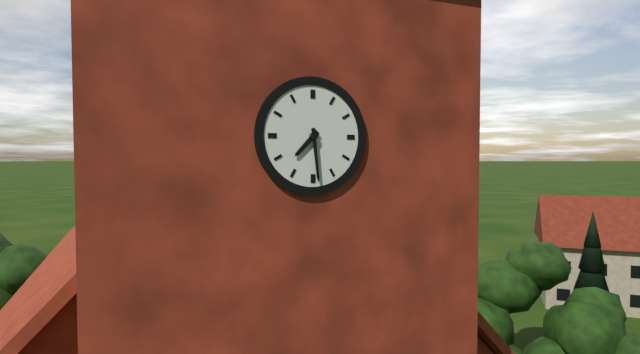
7:29
